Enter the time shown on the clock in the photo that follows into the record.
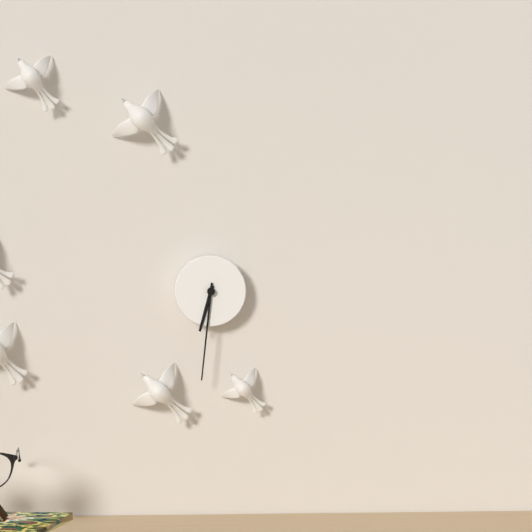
6:31
